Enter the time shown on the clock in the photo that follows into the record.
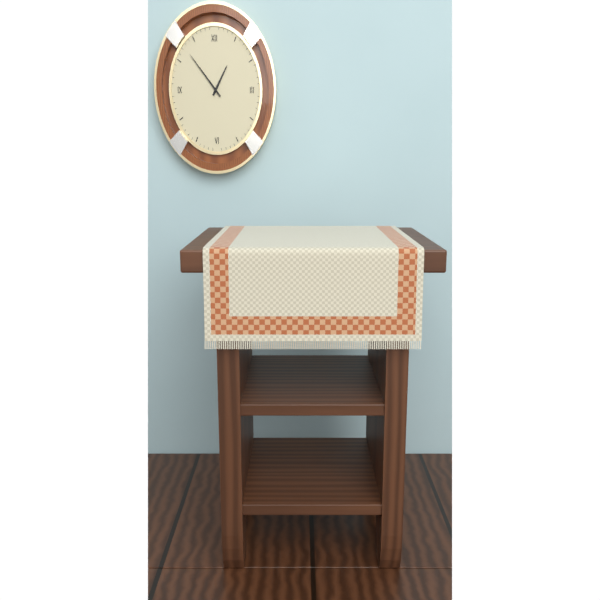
12:54
